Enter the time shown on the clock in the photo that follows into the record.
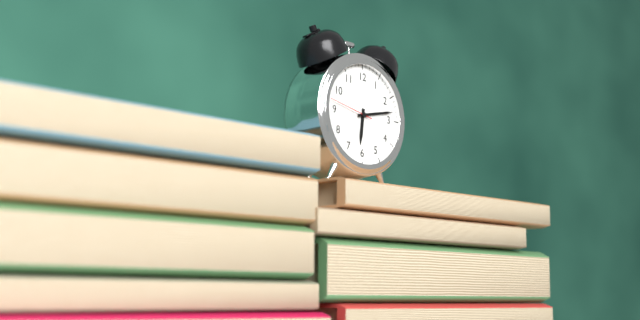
6:13
